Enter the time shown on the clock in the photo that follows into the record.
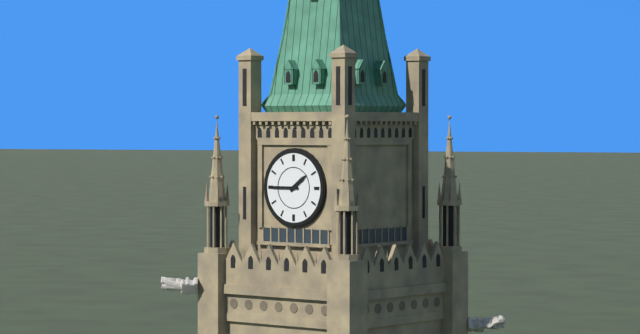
1:45
